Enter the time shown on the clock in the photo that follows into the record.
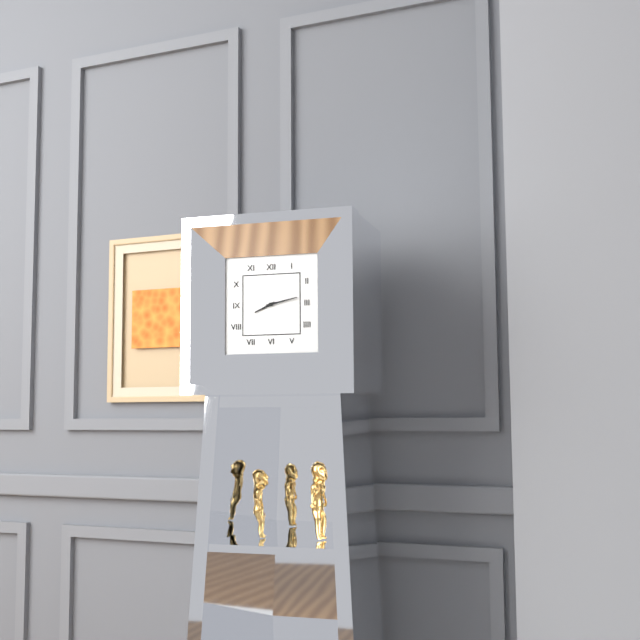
8:13
